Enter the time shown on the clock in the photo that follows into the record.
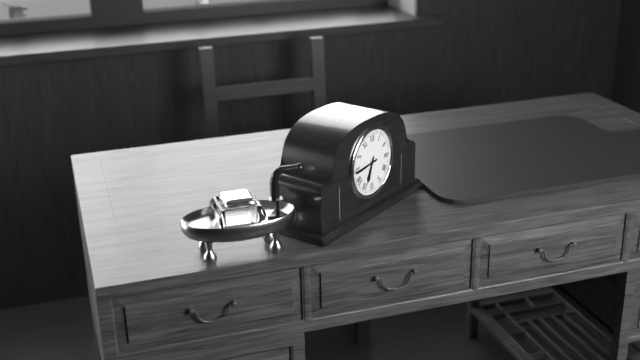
6:44
